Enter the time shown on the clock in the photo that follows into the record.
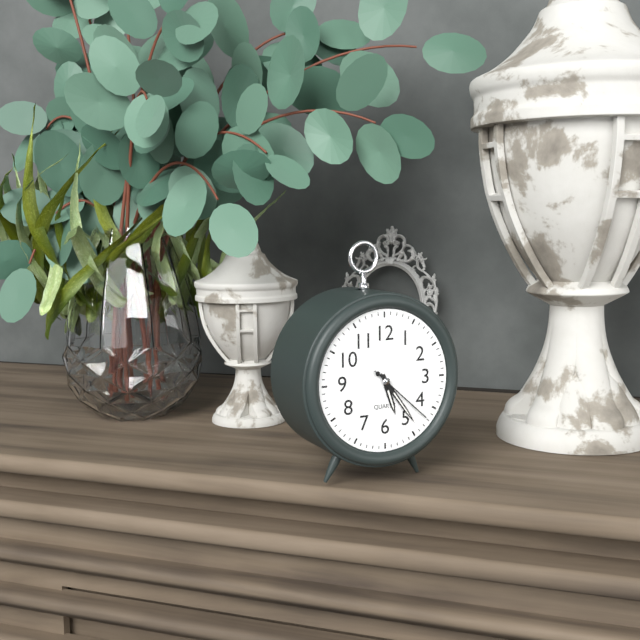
5:24:22
